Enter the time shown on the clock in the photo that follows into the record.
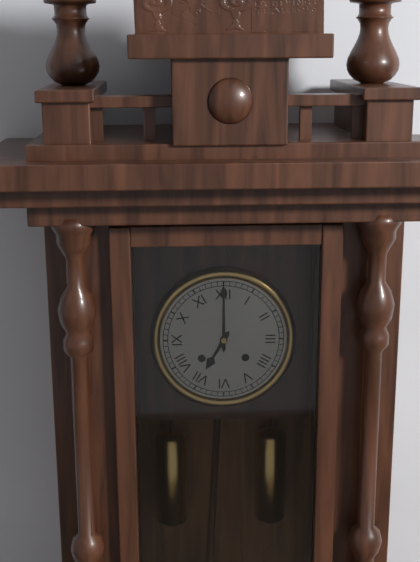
7:00
